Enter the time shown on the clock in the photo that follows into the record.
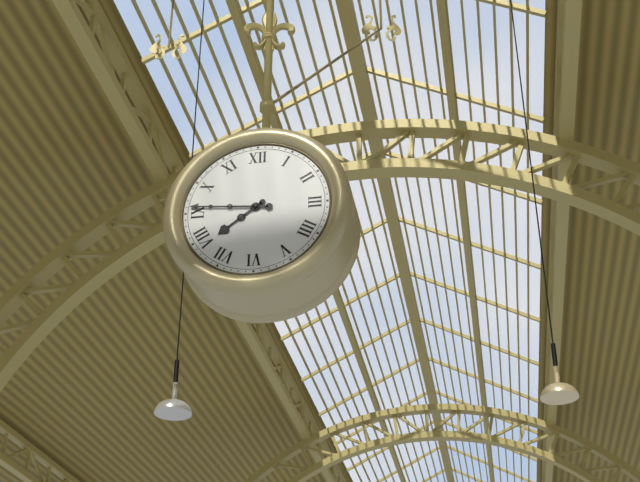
7:46
